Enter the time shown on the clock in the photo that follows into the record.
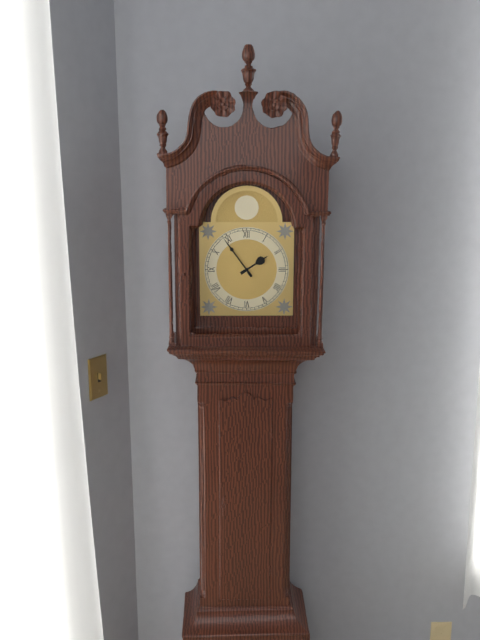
1:54
